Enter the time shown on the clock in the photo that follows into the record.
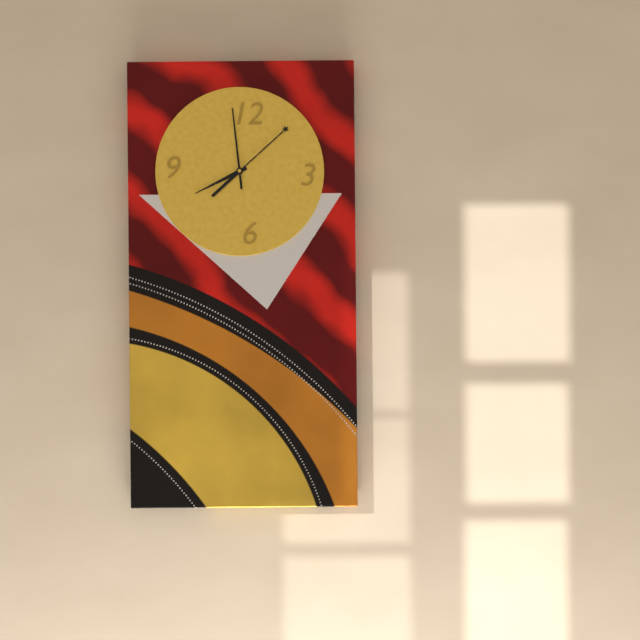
8:08:59
